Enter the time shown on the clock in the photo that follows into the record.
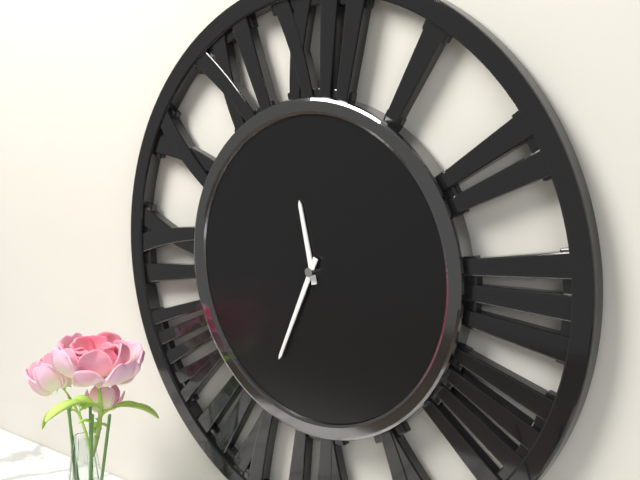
11:34
